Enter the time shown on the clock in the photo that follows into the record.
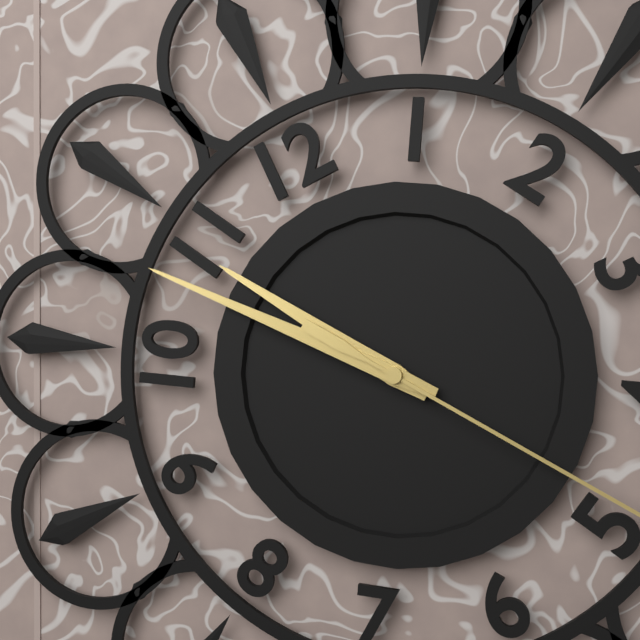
10:53
